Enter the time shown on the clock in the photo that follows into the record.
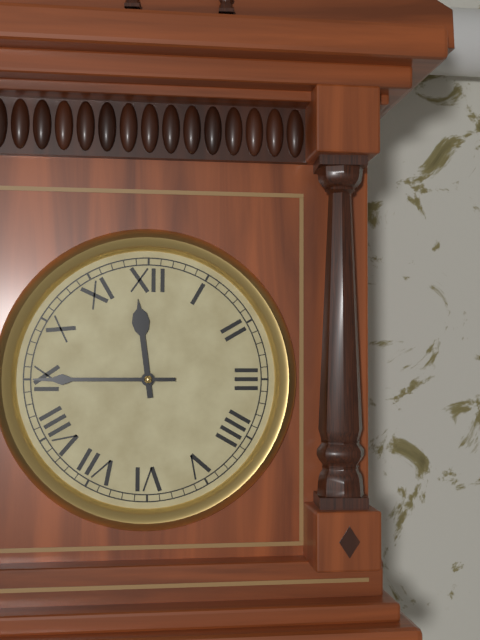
11:45
